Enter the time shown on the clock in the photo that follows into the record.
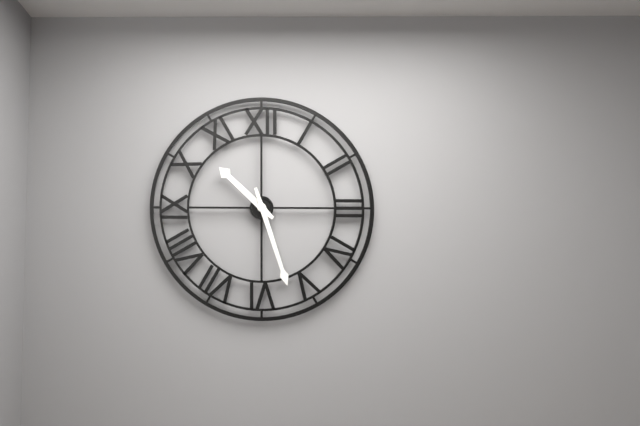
10:27
